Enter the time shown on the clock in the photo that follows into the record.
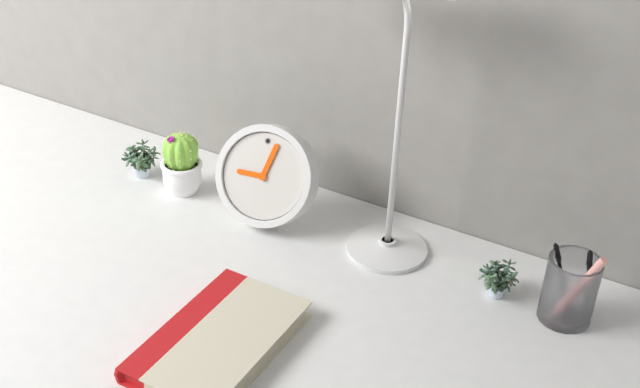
9:03
